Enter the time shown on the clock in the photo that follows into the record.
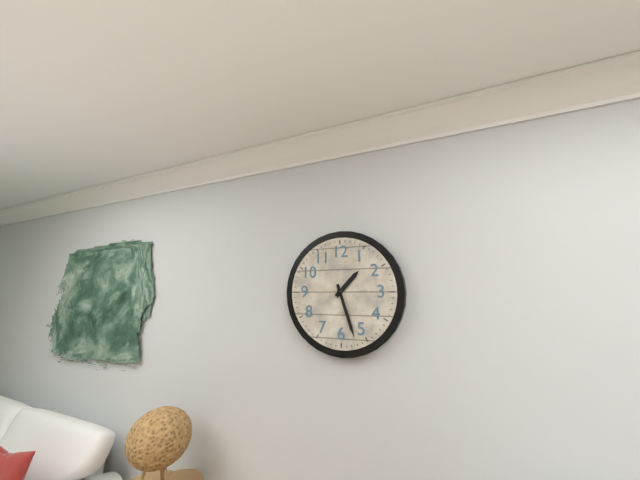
1:27
